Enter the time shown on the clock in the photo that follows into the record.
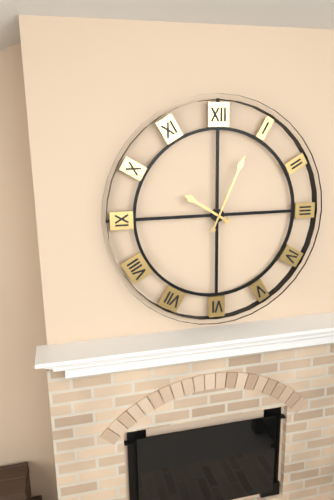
10:04
